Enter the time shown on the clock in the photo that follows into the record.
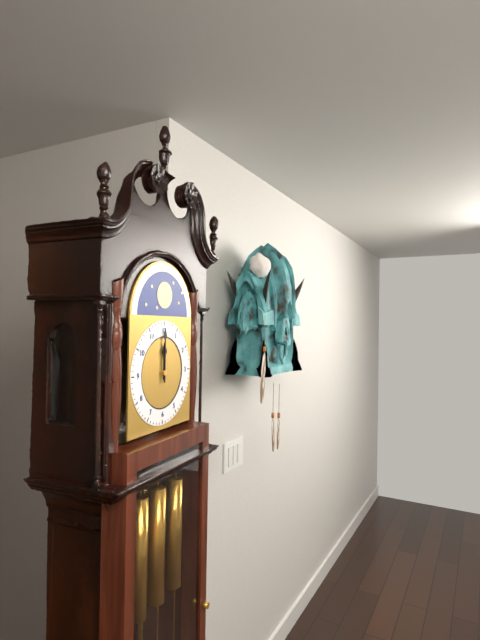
12:00
